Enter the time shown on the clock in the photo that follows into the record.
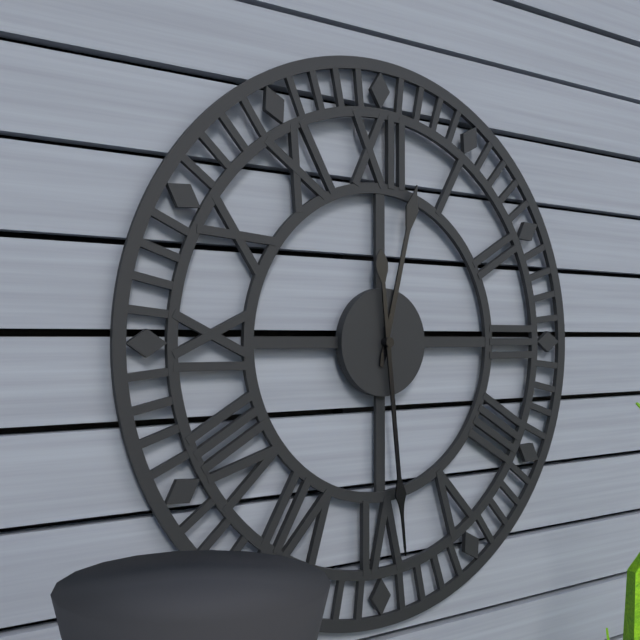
12:29
